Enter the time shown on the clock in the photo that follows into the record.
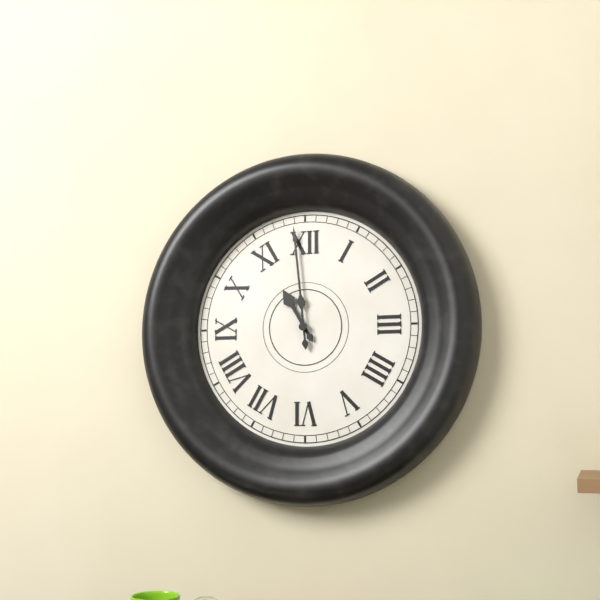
10:59
